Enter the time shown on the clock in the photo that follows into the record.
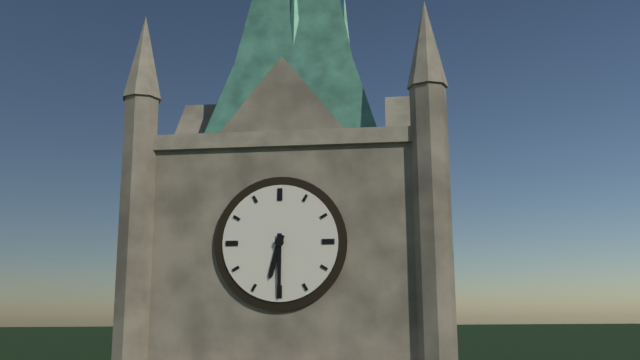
6:30
